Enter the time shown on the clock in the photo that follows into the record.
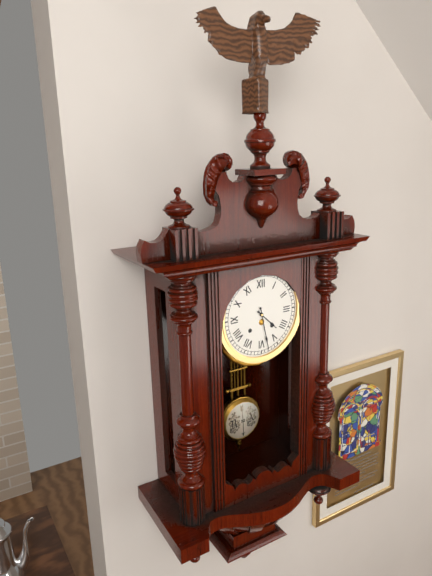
4:28
